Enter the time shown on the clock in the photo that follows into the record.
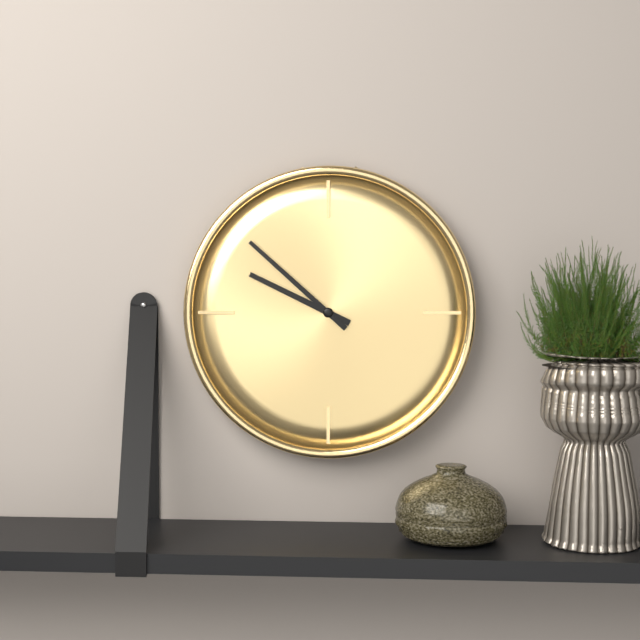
9:52
